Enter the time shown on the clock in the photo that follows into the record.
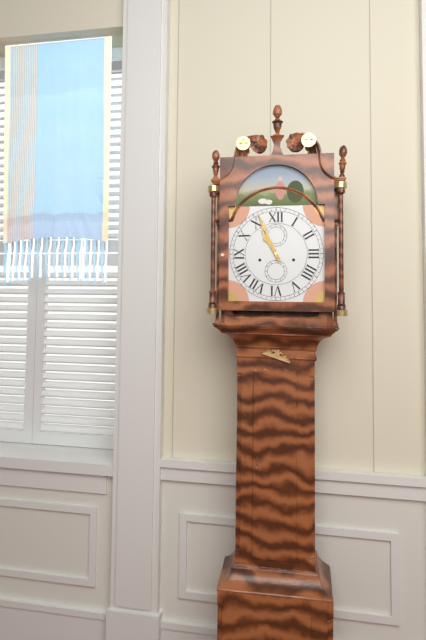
10:56
